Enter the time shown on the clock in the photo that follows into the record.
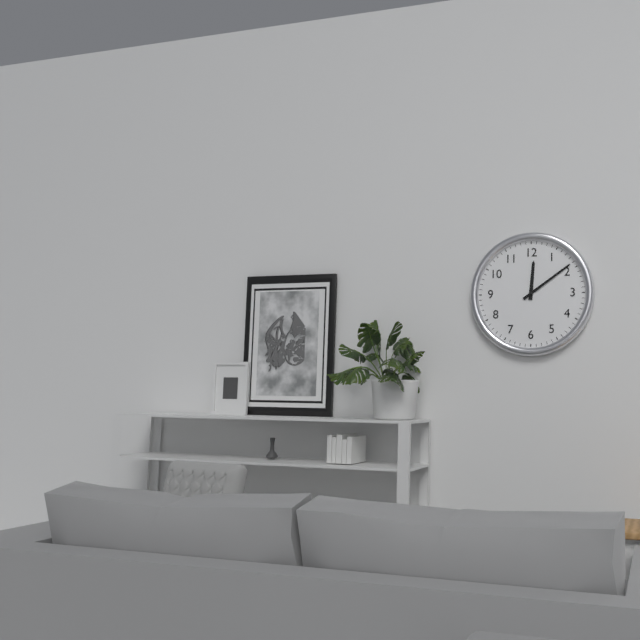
12:09
